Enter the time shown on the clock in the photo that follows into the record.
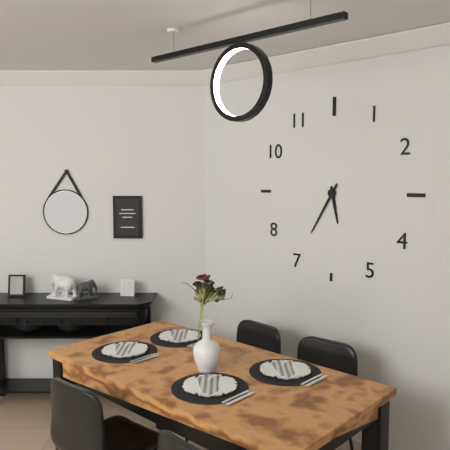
5:35
